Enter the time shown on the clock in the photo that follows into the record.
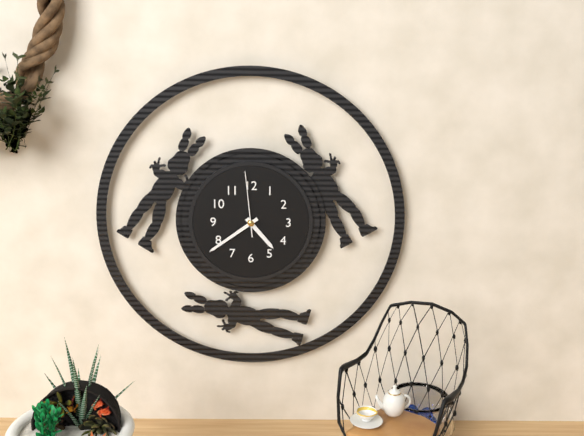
4:39:59
